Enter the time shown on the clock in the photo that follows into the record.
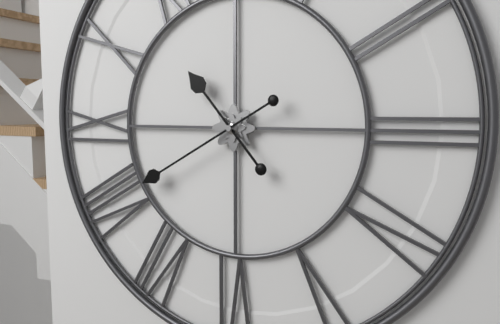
10:40
